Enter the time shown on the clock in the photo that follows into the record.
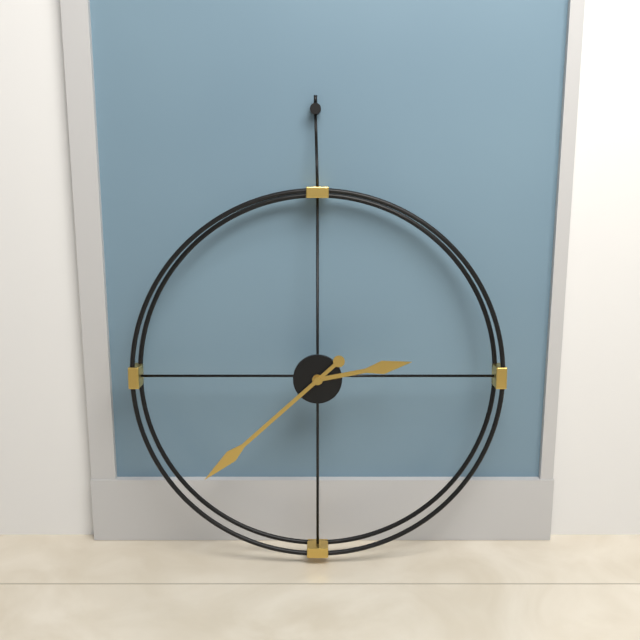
2:38
